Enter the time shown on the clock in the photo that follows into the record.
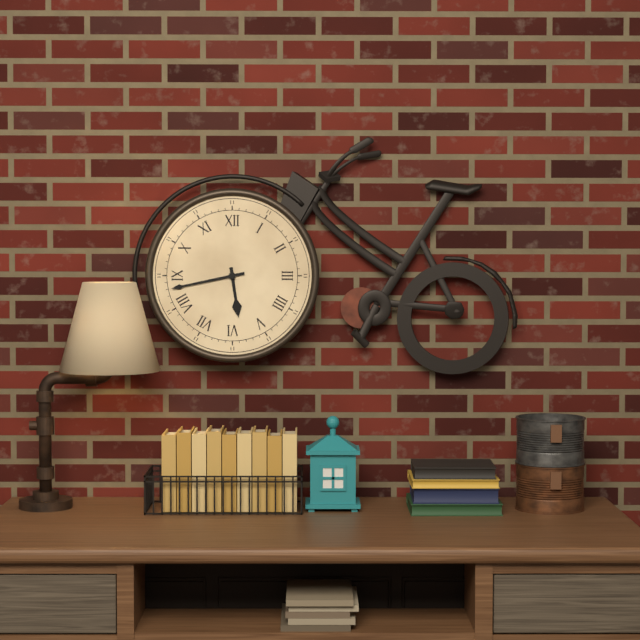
5:43
